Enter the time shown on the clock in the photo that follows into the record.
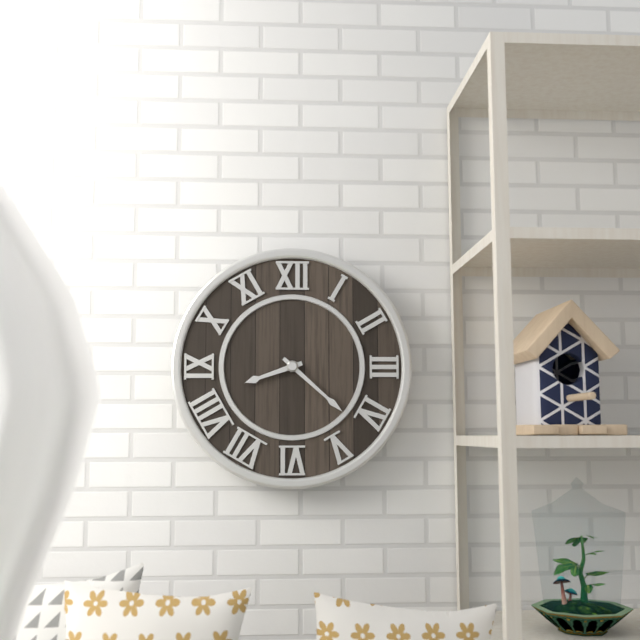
8:22
